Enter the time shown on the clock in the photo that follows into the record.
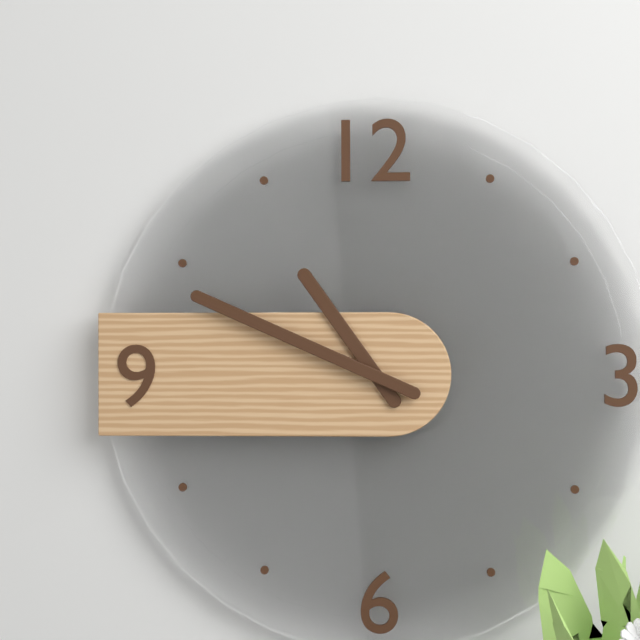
10:49
